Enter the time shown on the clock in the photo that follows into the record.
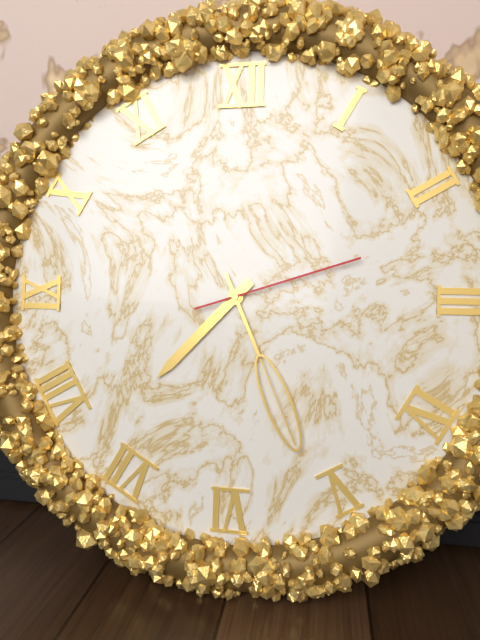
7:26:12
